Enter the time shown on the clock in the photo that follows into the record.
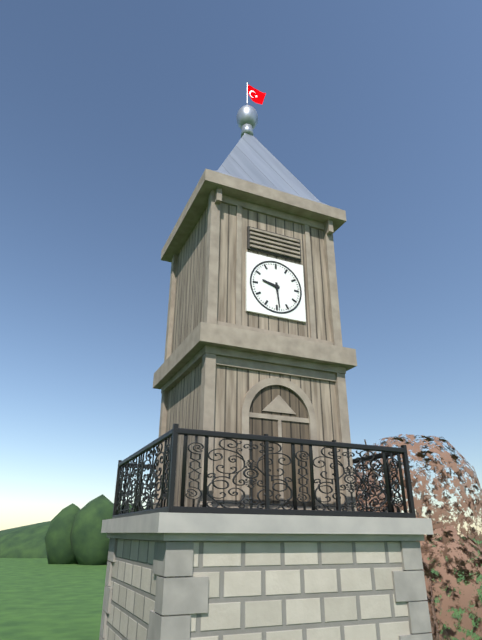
9:29
